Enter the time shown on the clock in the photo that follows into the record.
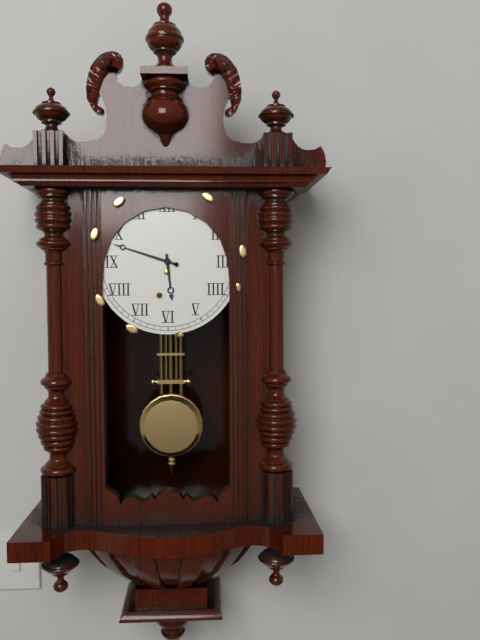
5:48
